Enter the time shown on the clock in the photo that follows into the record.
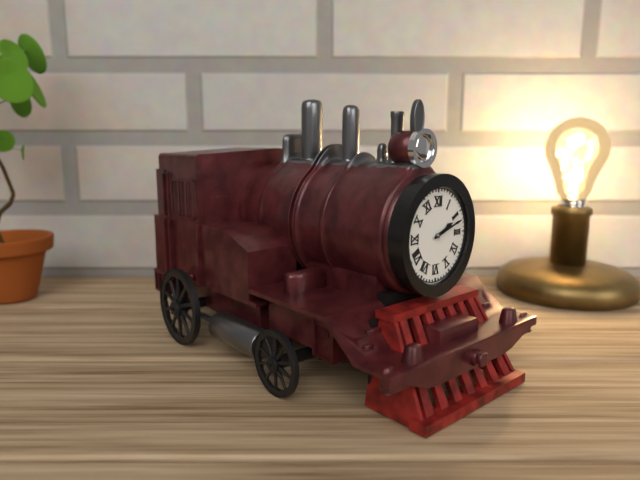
2:12
